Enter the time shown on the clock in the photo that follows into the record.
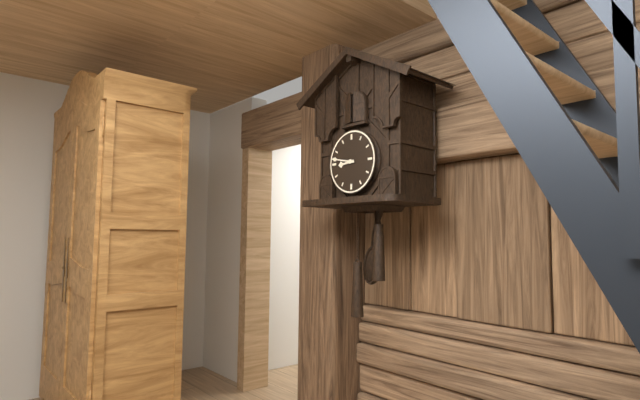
8:47
